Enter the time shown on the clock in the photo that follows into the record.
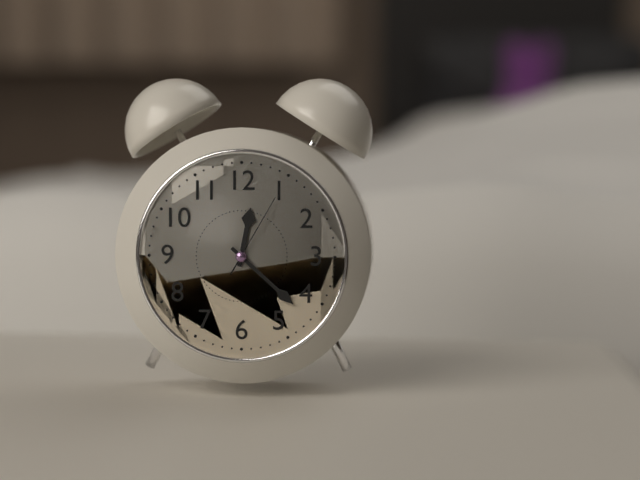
12:22:05
